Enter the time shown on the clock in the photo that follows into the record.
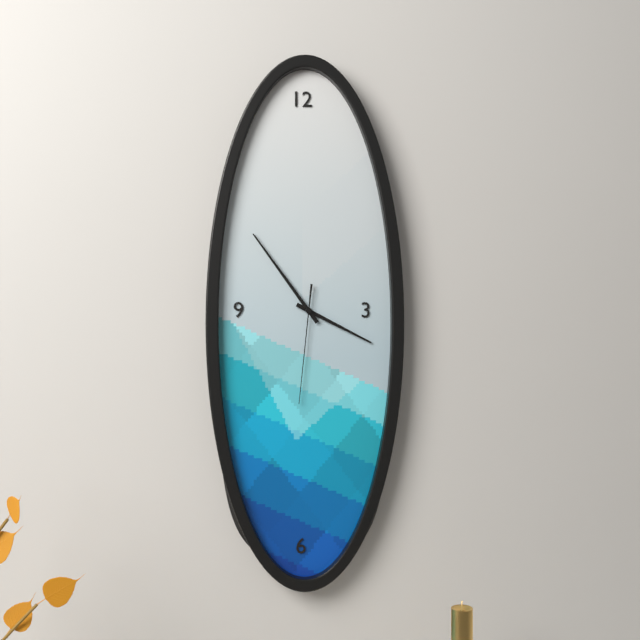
3:54:31
